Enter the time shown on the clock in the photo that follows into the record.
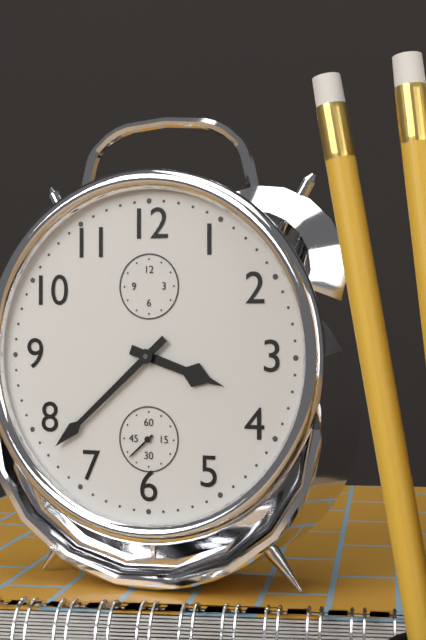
3:38
